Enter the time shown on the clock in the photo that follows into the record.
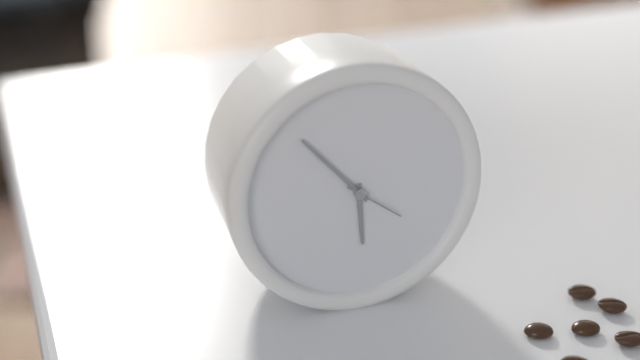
5:53:21
